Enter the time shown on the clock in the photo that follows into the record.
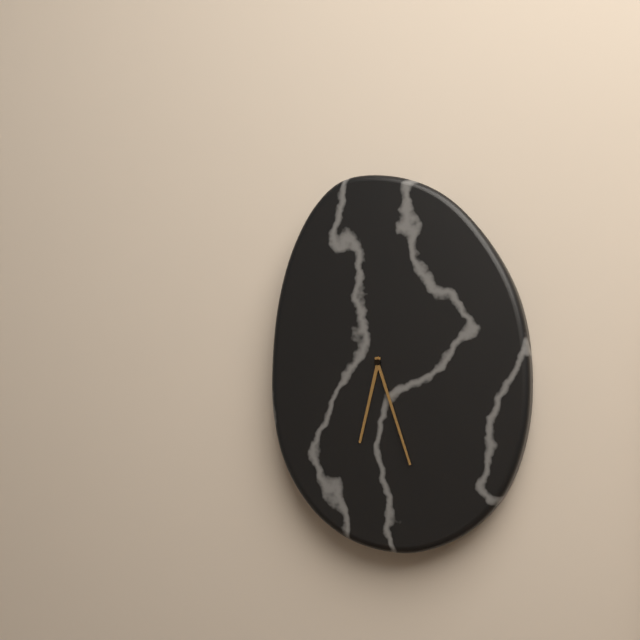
6:27
